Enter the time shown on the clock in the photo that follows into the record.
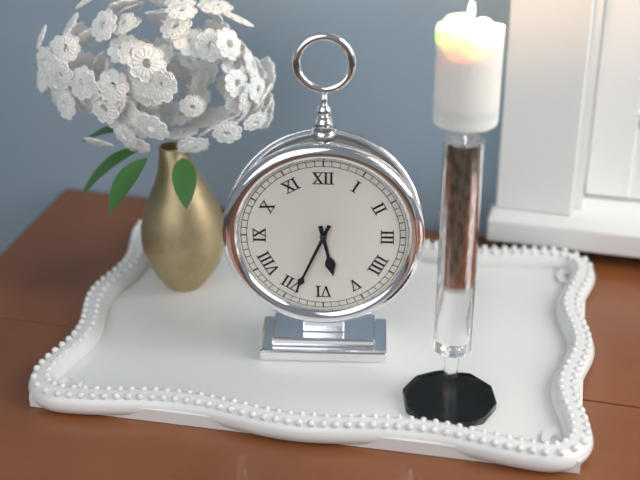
5:34
